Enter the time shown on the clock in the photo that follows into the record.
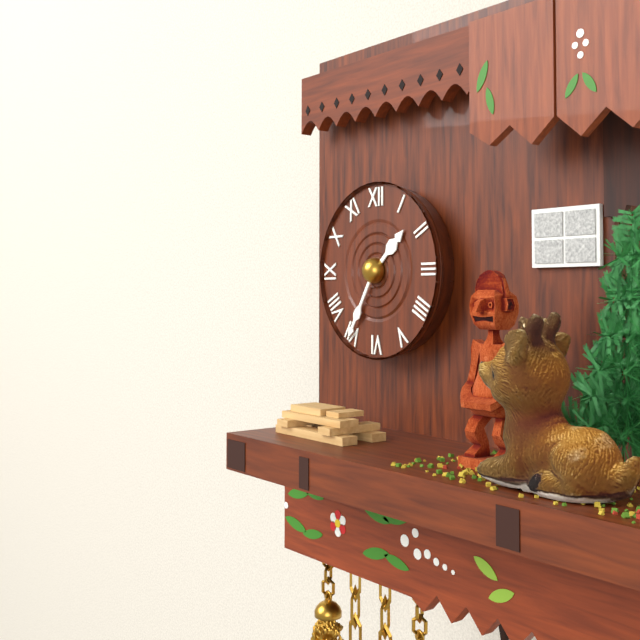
1:35
